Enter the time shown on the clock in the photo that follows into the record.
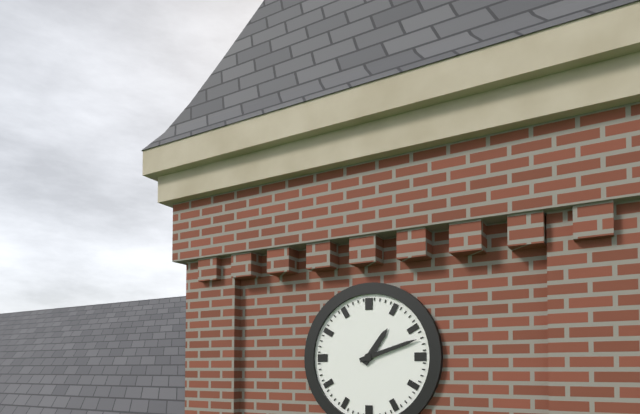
1:12
